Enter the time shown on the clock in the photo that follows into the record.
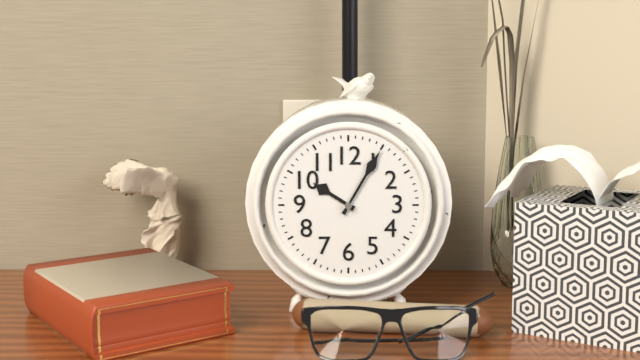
10:05
